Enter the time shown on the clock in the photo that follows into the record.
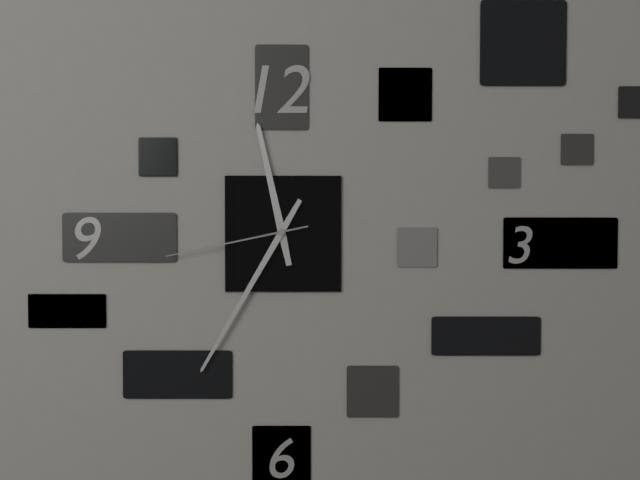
11:35:43
